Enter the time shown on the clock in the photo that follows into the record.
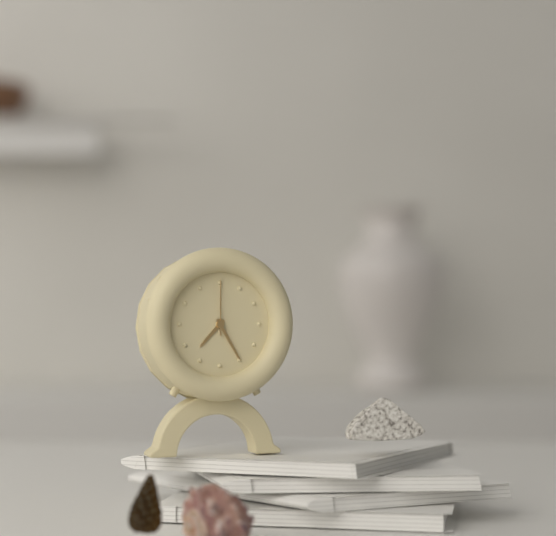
7:25:00
